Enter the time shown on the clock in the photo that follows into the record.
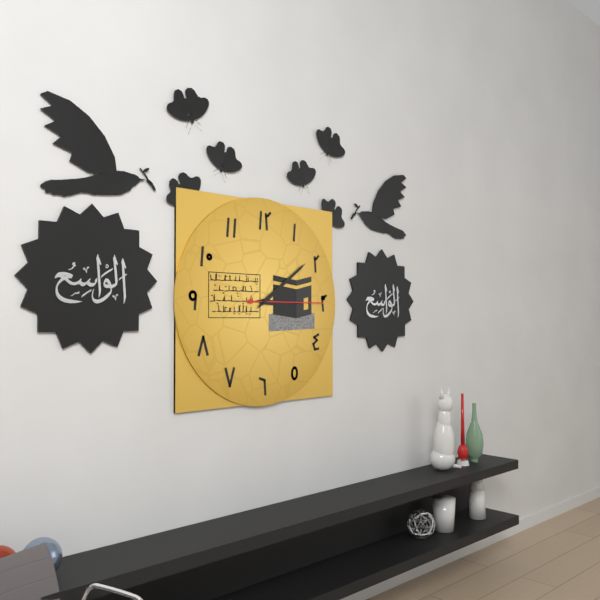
3:09:15
